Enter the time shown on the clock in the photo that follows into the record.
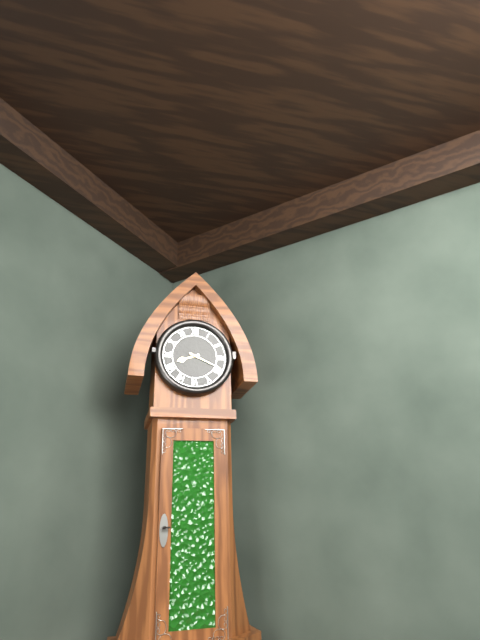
8:19
